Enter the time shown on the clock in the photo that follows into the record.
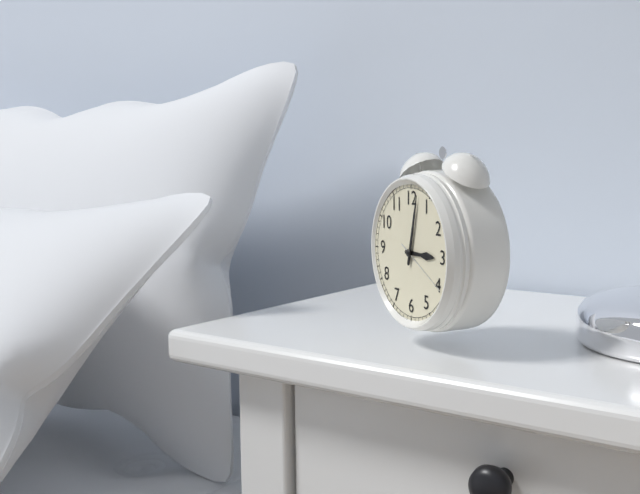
3:02:20
